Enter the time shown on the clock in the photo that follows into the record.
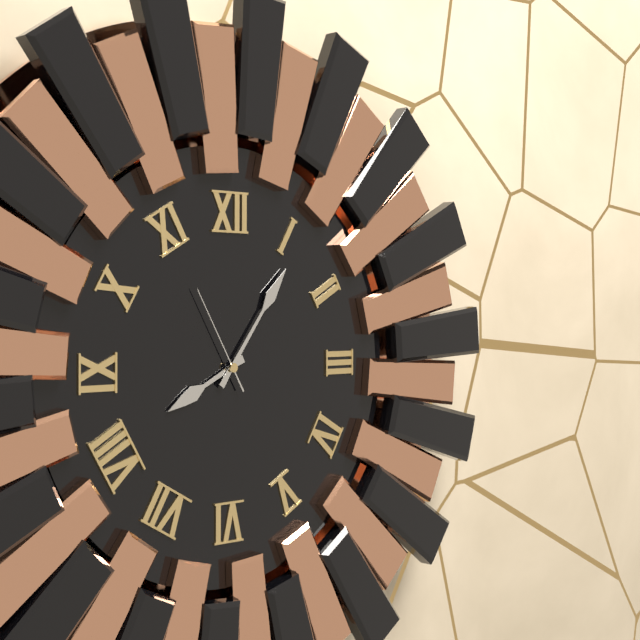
8:06:55
